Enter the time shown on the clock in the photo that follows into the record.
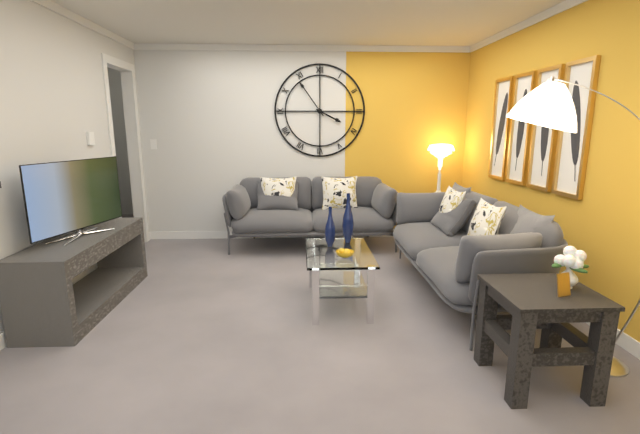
3:54
